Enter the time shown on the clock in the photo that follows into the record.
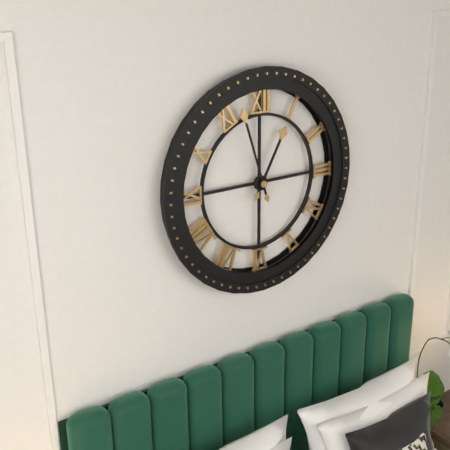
12:57
